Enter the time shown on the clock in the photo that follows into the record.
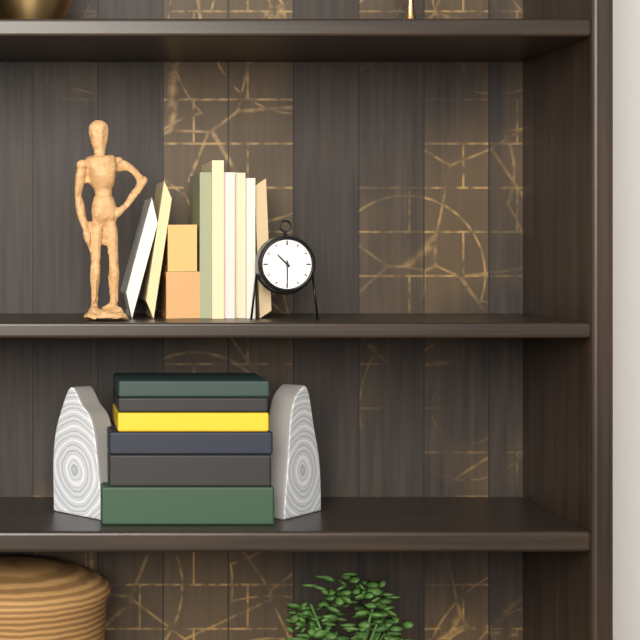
10:30
